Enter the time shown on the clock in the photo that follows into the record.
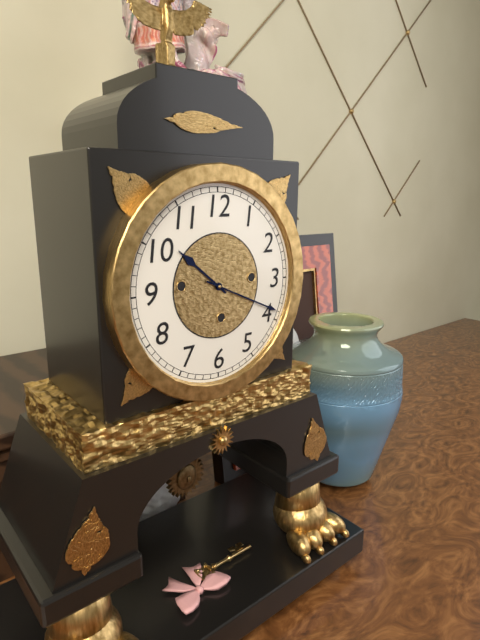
10:19
